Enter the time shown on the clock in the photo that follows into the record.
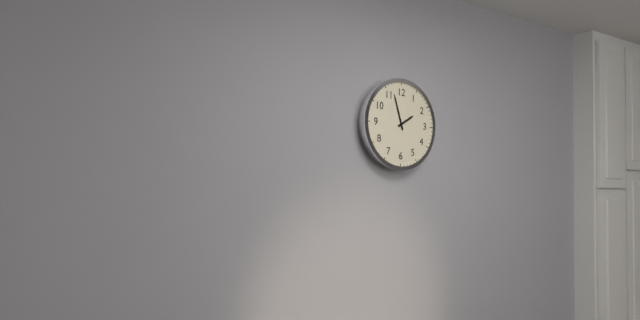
1:57
